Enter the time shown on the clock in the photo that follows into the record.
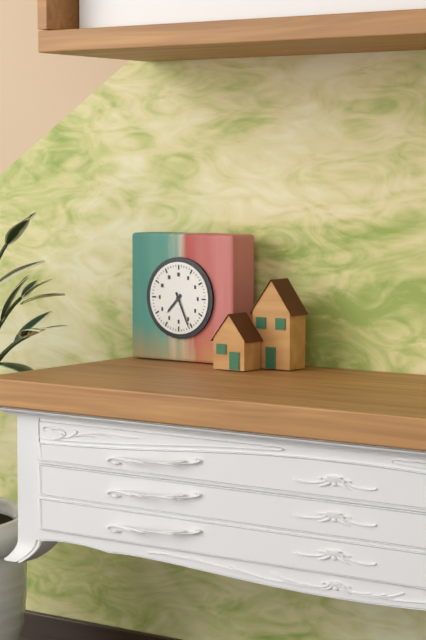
7:26
